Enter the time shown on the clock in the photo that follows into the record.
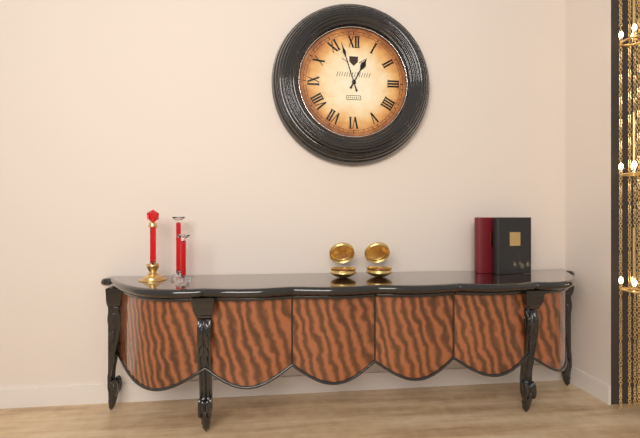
12:57
